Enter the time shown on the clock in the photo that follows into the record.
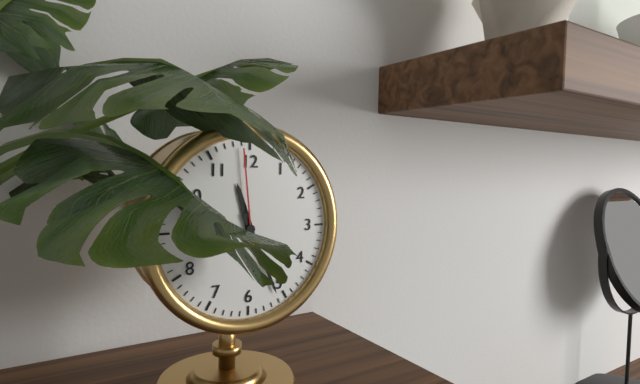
11:26:59
